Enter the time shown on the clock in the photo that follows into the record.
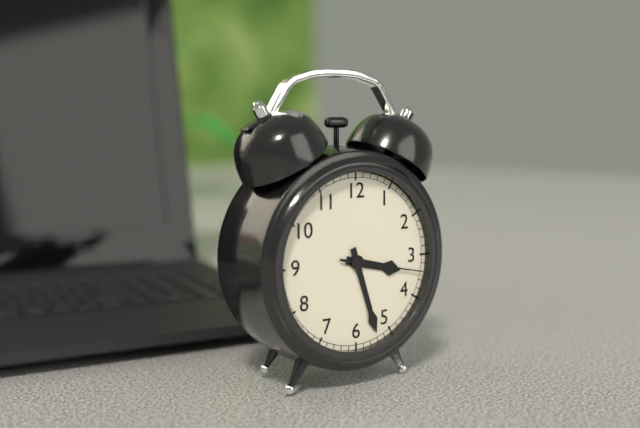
3:27:17
